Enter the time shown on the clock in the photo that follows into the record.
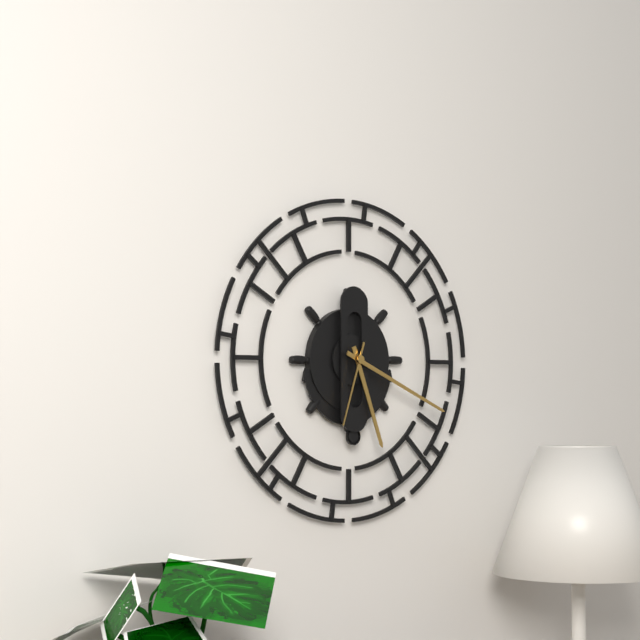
5:19:33
